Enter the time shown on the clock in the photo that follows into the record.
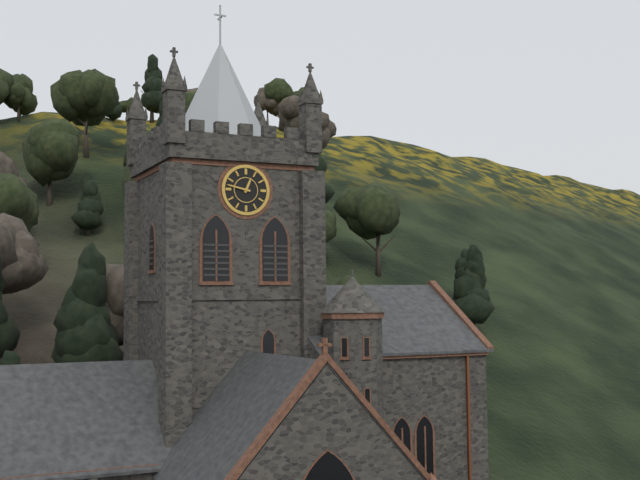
12:47
